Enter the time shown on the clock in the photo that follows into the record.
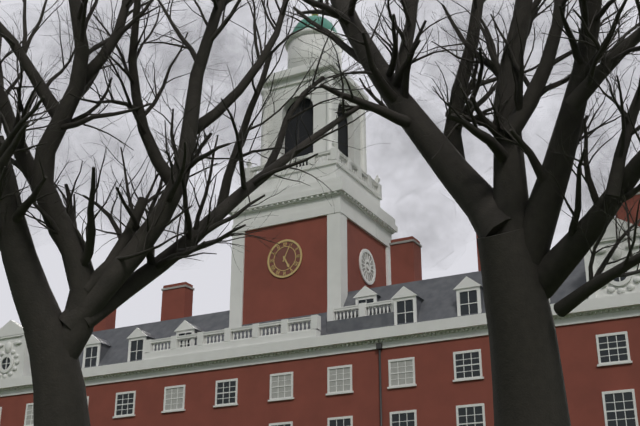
5:04
